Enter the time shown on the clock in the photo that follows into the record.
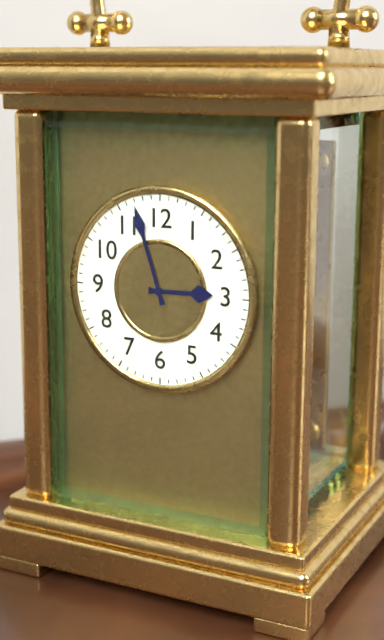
2:57
